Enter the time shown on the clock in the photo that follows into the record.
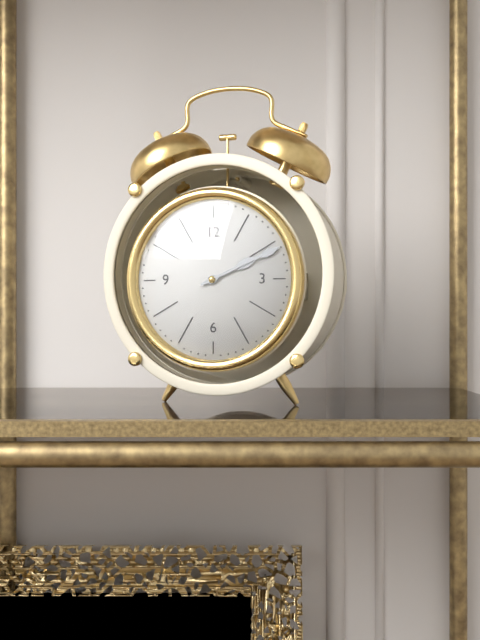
2:11
